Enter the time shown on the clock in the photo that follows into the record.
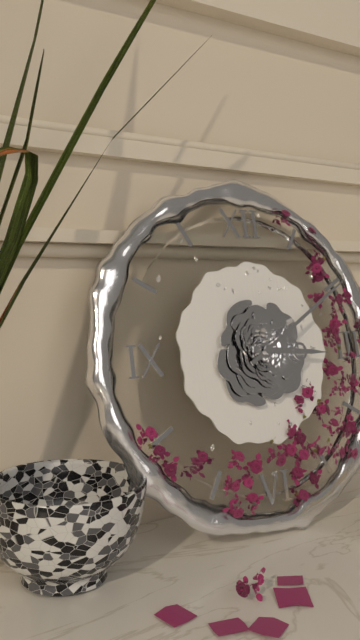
3:10
